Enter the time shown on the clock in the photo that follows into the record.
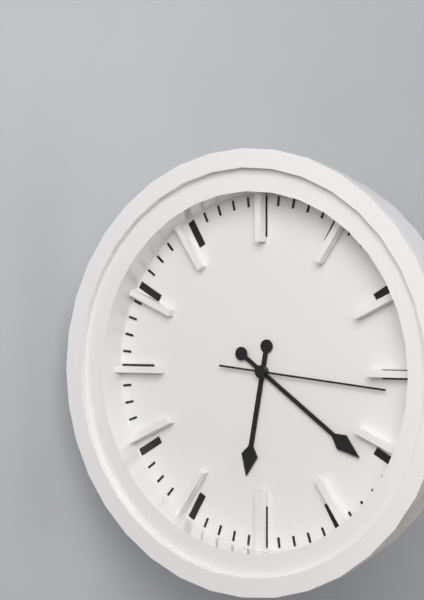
6:21:16
